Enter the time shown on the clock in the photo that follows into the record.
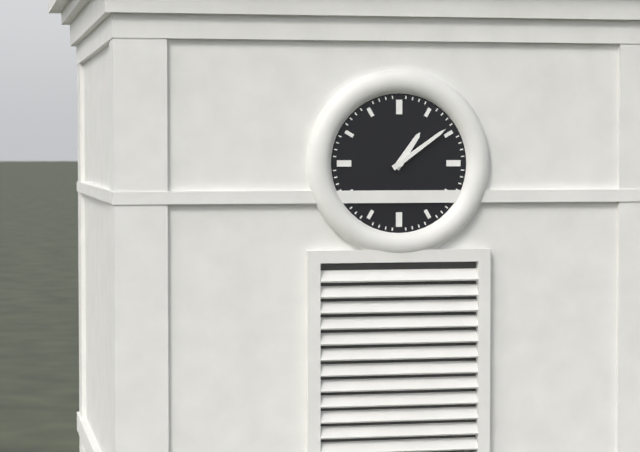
1:09
